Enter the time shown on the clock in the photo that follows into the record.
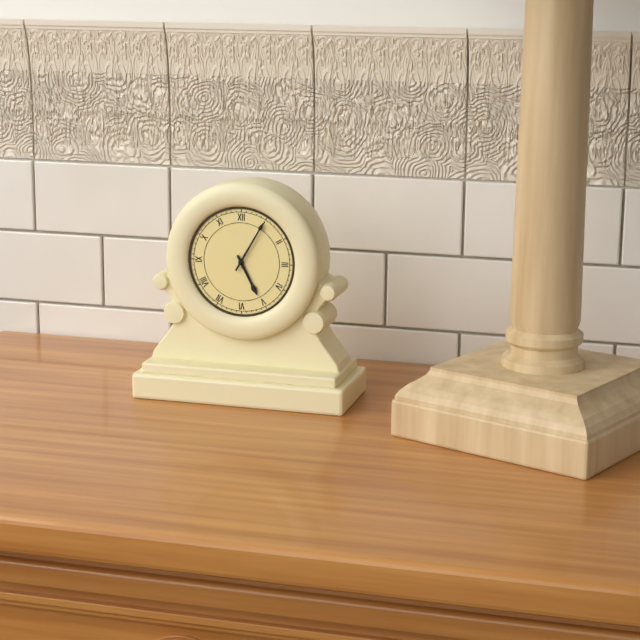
5:05
